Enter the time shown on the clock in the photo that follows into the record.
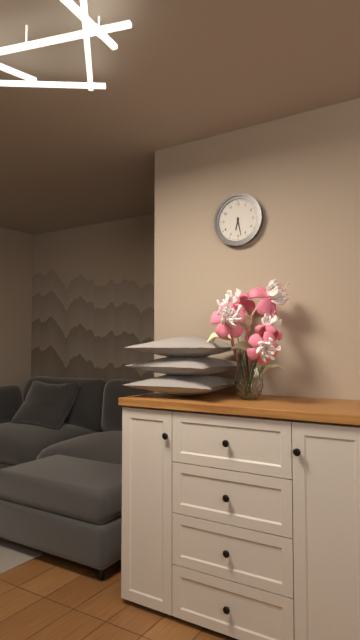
6:28
